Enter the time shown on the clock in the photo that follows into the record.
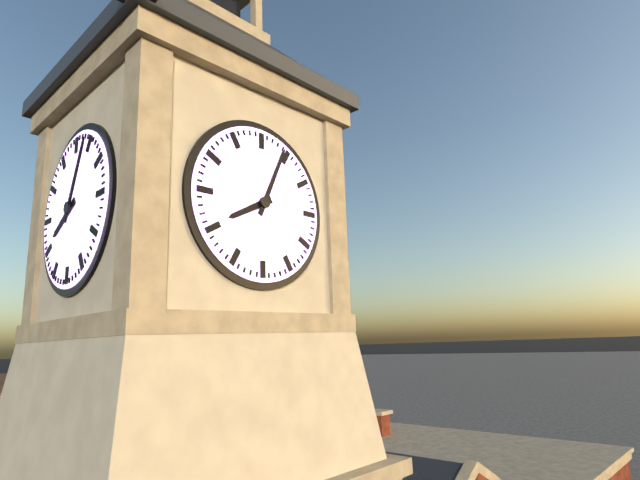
8:04
